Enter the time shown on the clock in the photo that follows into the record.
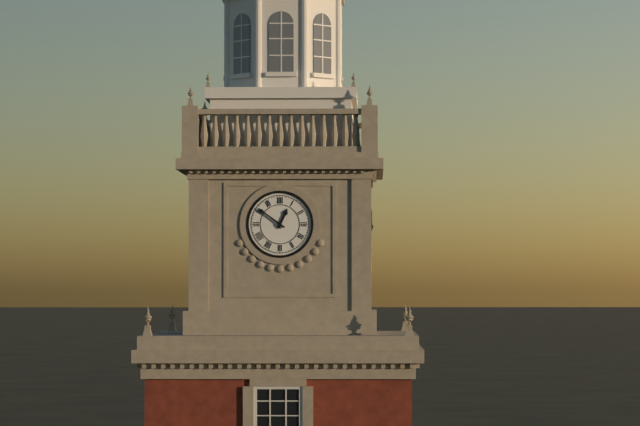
12:51
